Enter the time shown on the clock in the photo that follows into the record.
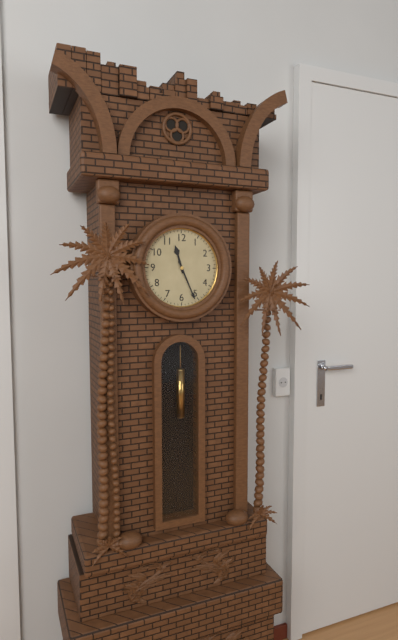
11:26
